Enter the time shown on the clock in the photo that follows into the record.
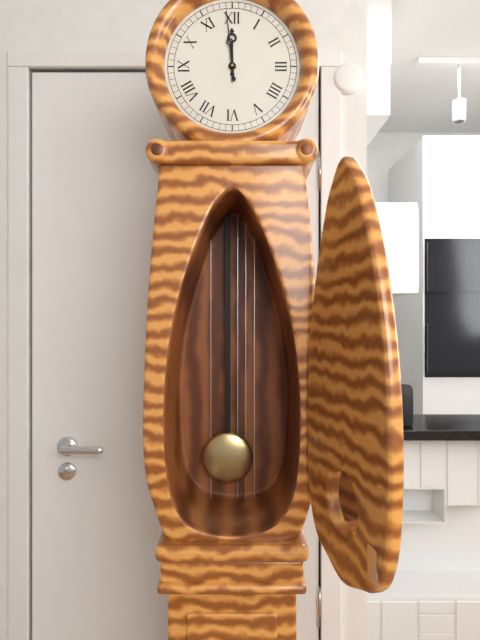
11:59
